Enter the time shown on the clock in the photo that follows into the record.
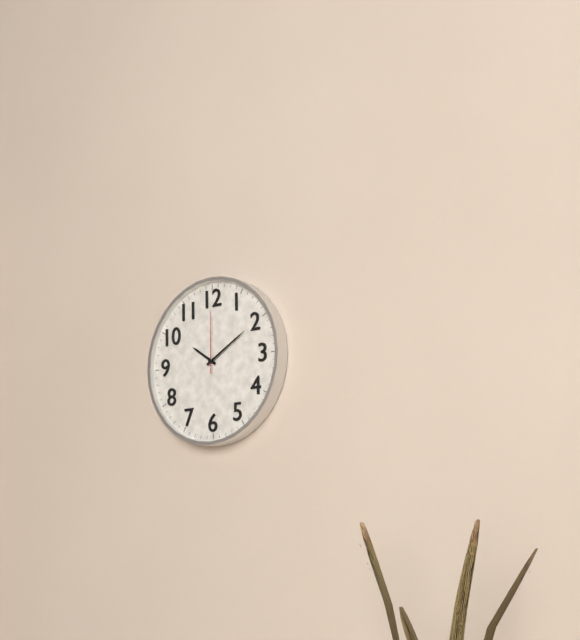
10:10:00
